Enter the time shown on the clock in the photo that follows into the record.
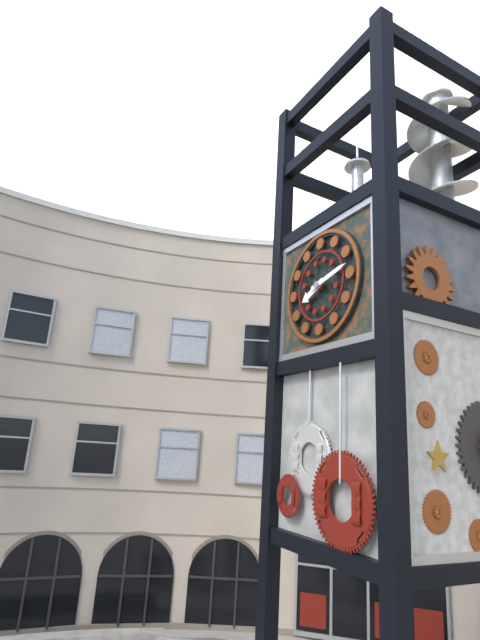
8:13
